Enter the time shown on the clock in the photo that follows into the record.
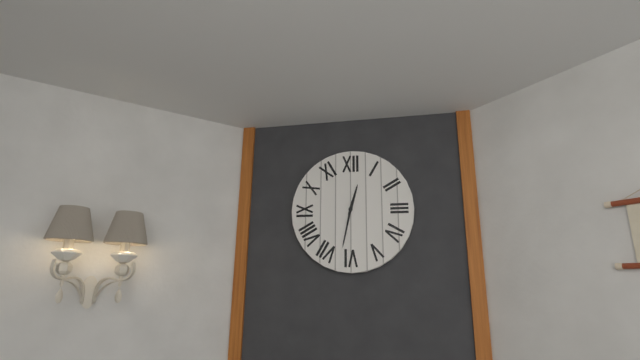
12:32
